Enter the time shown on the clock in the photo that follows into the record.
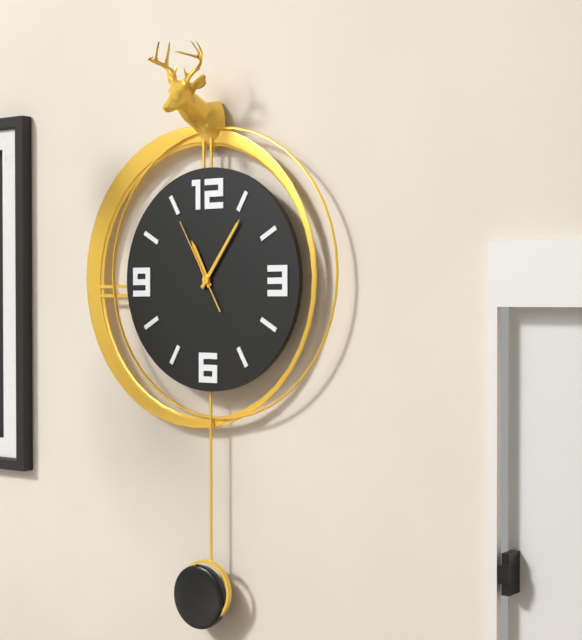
11:06:55
